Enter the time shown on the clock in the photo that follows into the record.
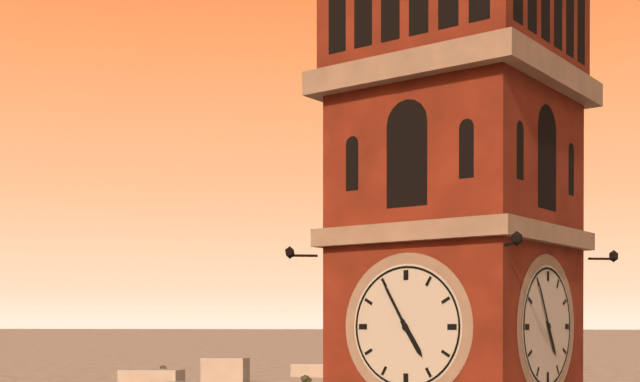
4:55
